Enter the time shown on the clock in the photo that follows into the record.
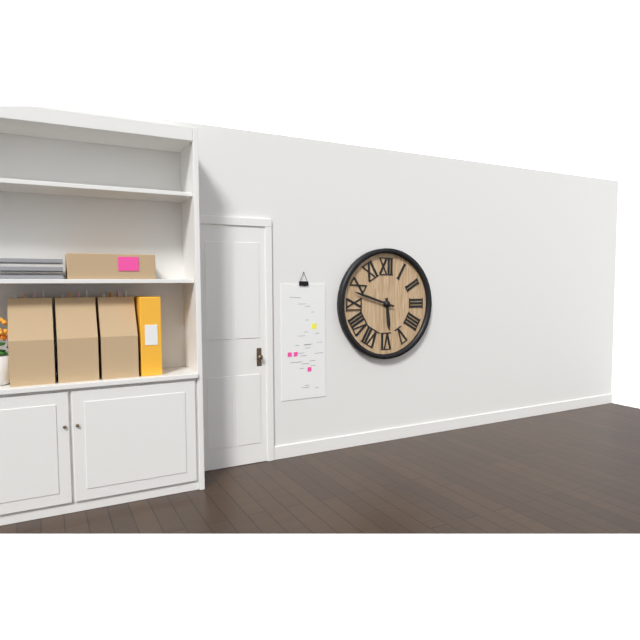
5:48
